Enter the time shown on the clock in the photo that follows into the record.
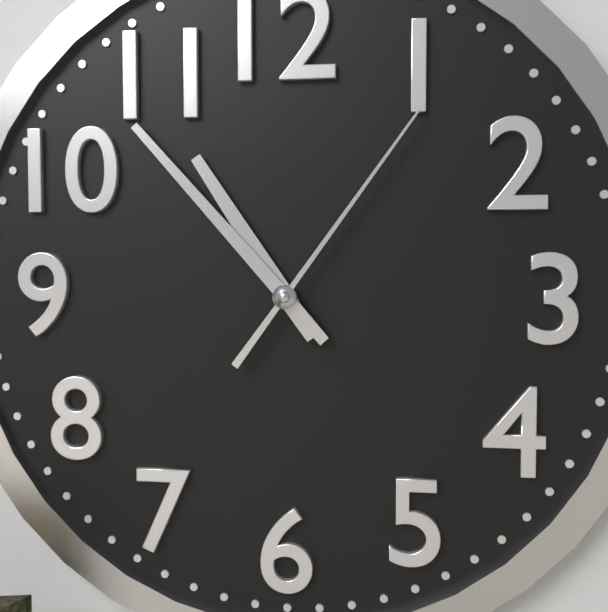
10:53:06
